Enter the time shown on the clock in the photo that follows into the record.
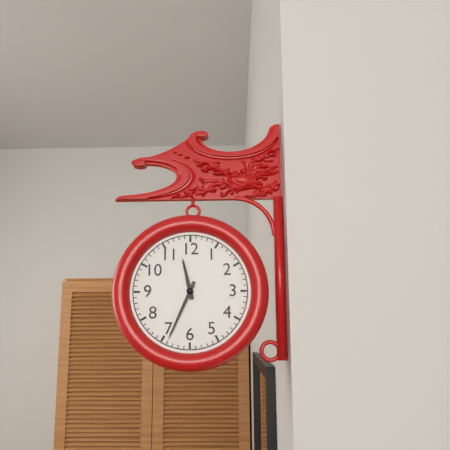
11:34
